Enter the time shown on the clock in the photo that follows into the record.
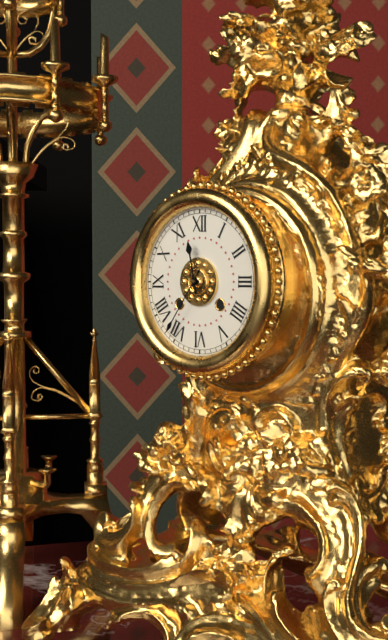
11:36
